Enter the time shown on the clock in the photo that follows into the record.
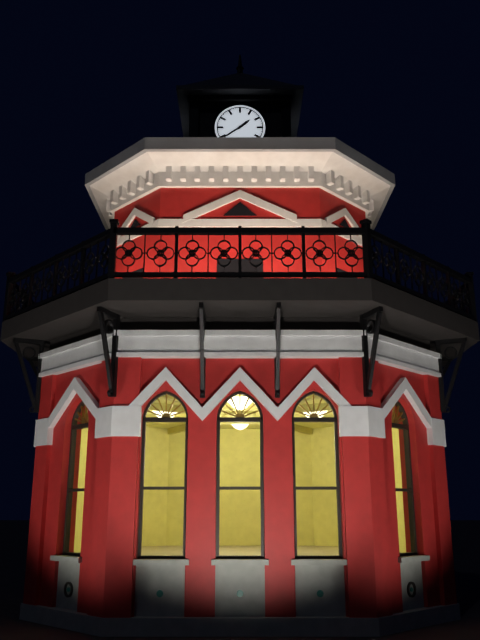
1:39
